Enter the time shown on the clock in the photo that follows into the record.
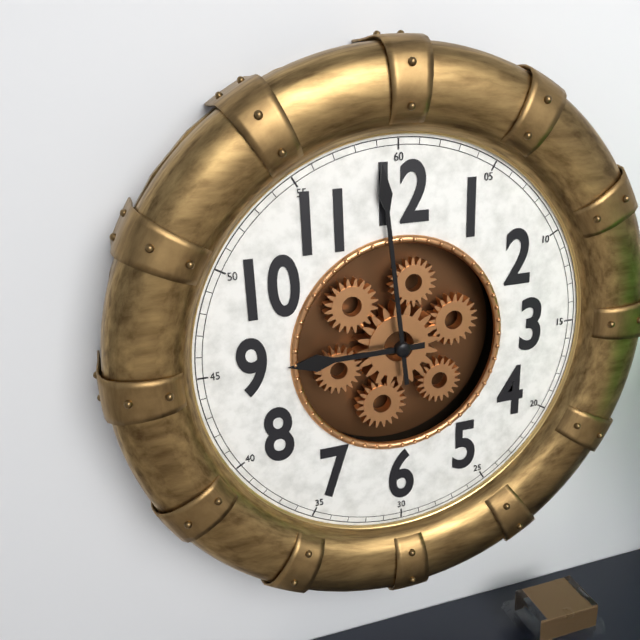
8:59
